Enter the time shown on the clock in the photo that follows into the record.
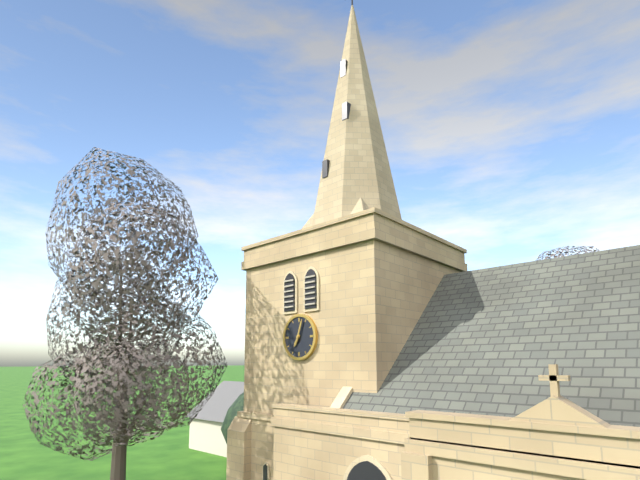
7:03
